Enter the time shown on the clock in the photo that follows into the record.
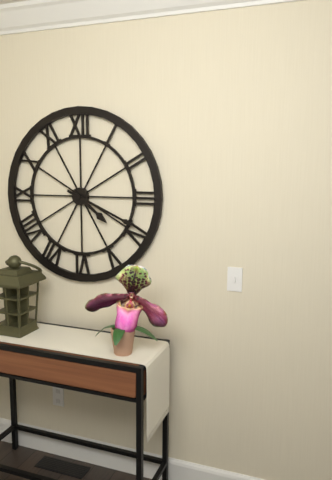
4:19
